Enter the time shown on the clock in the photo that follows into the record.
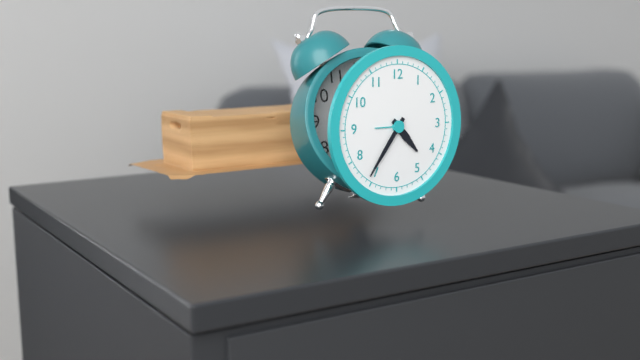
4:36
